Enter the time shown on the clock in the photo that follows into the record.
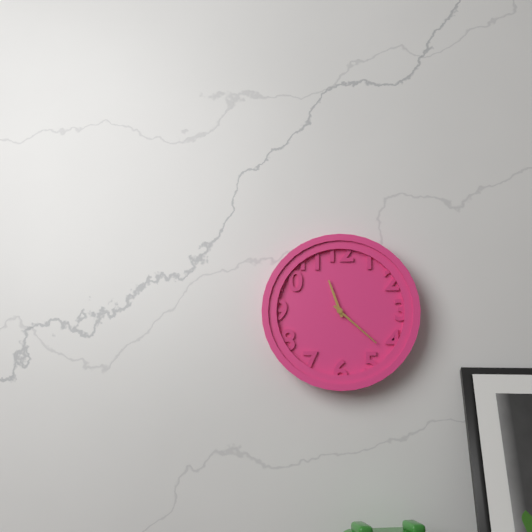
11:22
